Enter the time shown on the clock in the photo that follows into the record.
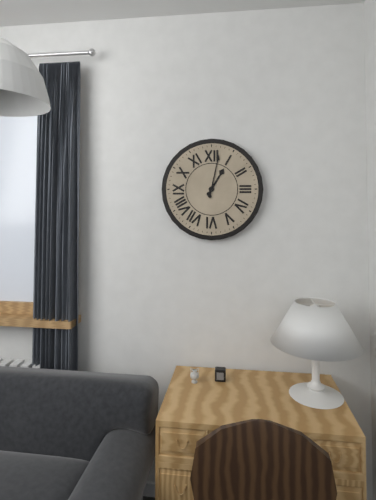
1:02
